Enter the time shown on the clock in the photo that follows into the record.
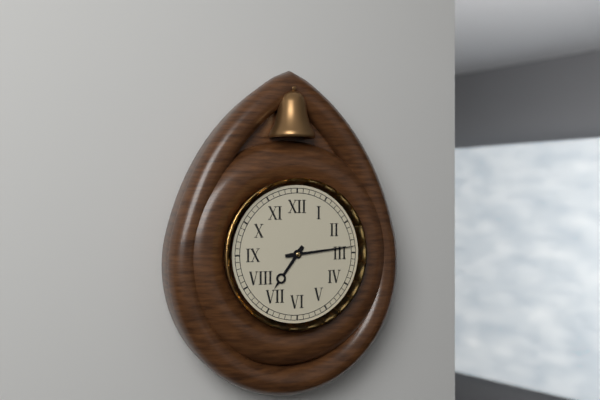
7:14
